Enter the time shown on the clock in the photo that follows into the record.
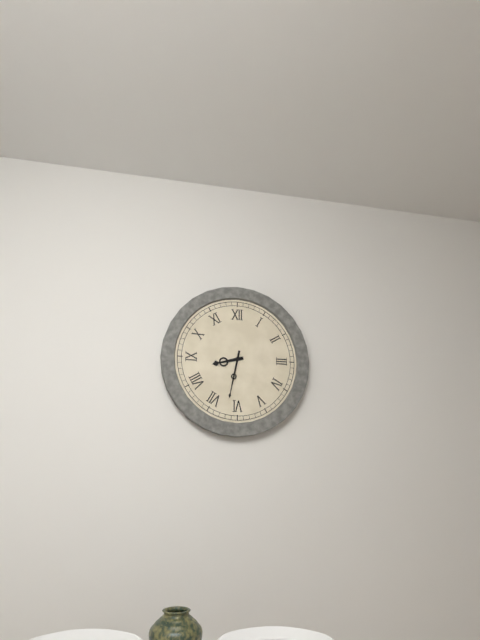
8:32
